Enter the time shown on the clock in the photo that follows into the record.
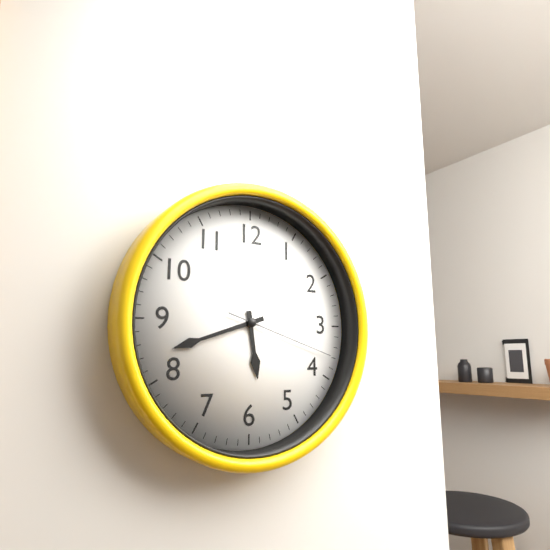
5:42:18
